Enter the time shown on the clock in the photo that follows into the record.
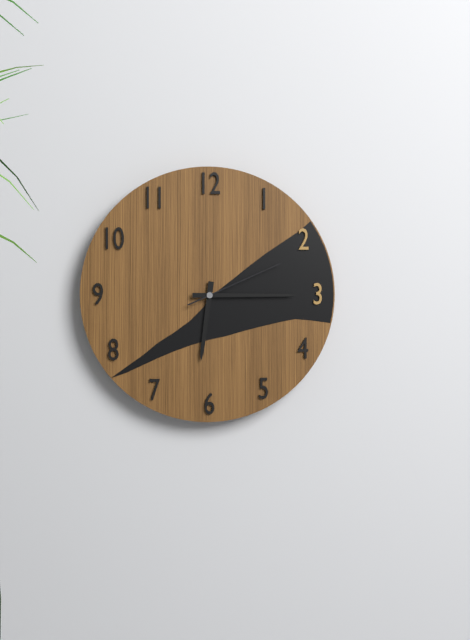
6:15:11
